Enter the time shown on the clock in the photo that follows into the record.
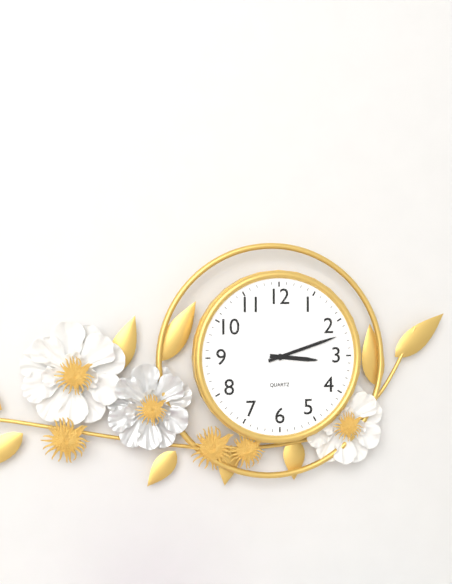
3:12
